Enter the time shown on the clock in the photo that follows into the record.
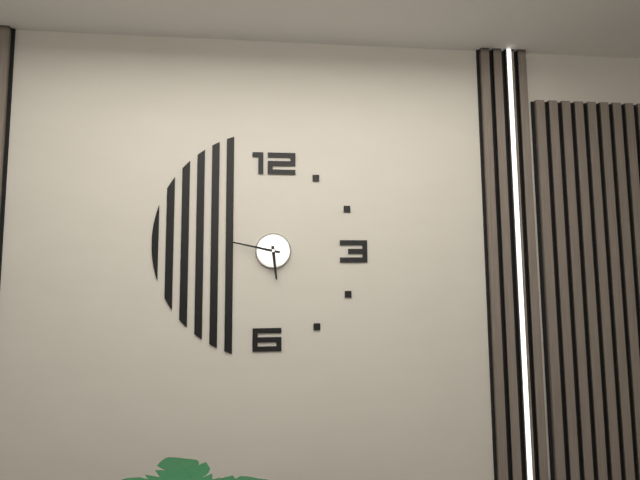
5:47
